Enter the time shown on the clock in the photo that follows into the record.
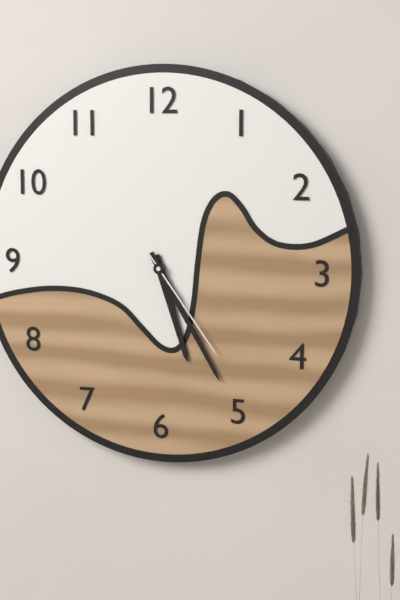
5:25:24
